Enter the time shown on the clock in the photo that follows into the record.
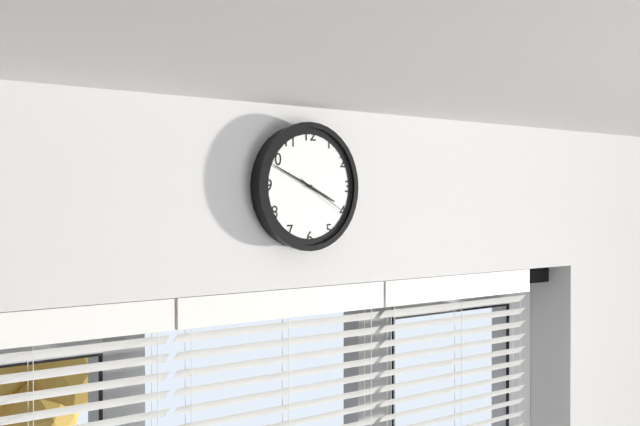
3:49:20
